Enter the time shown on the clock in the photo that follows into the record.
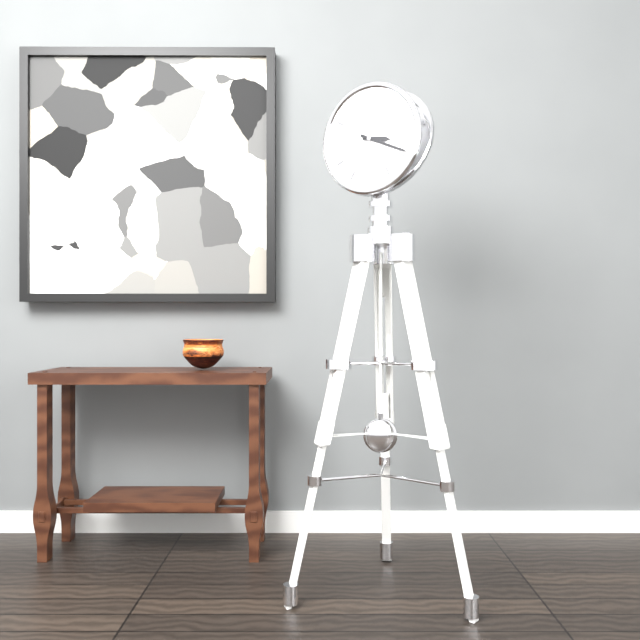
3:19
